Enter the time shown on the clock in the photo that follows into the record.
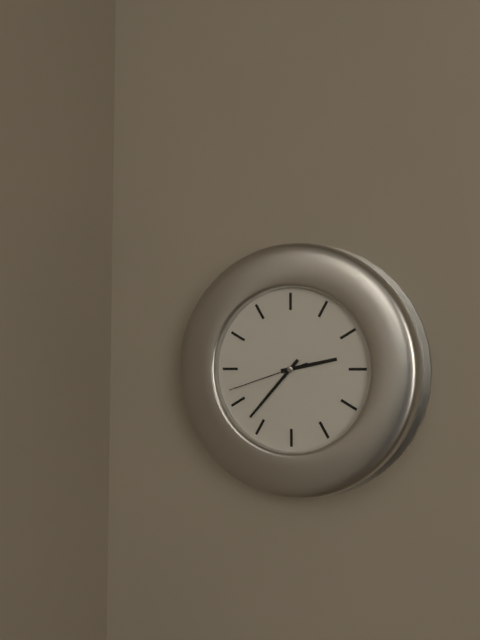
2:37:42
